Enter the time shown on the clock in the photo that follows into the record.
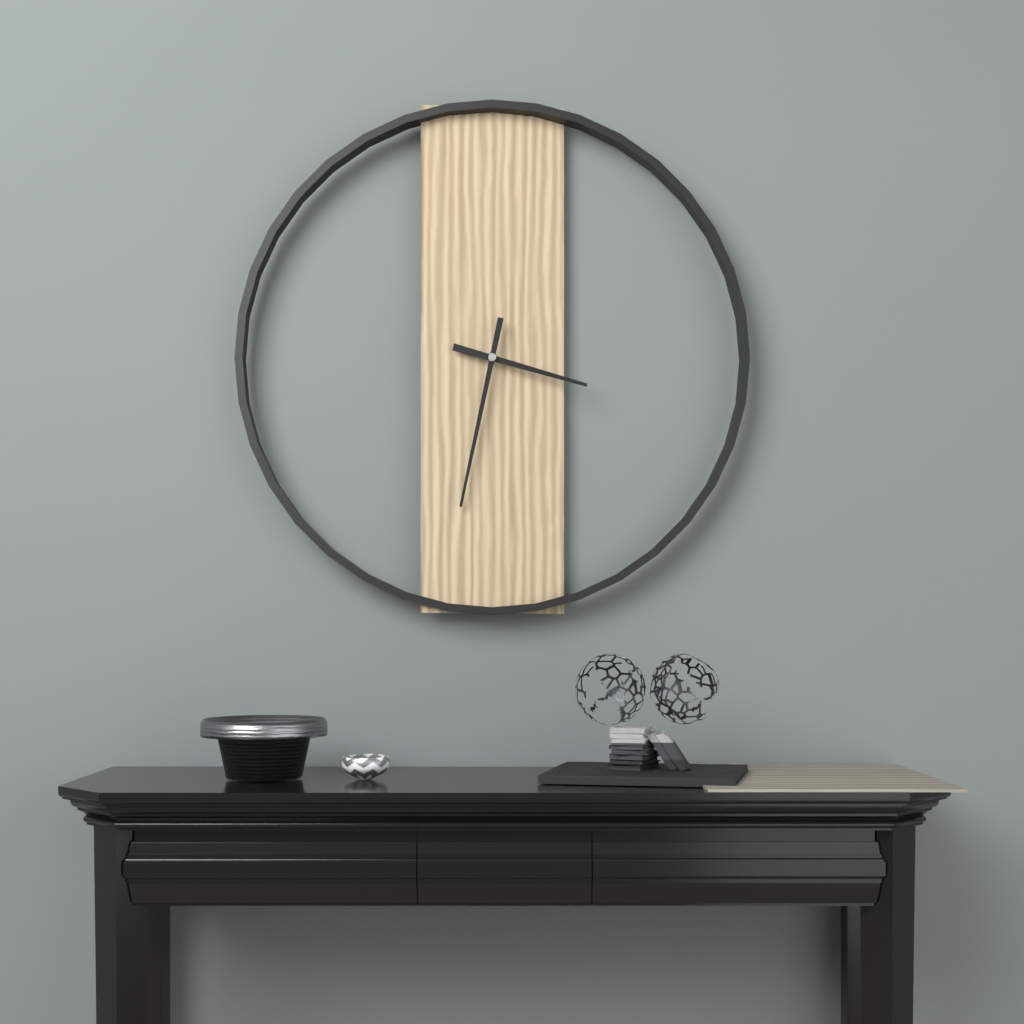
3:32
